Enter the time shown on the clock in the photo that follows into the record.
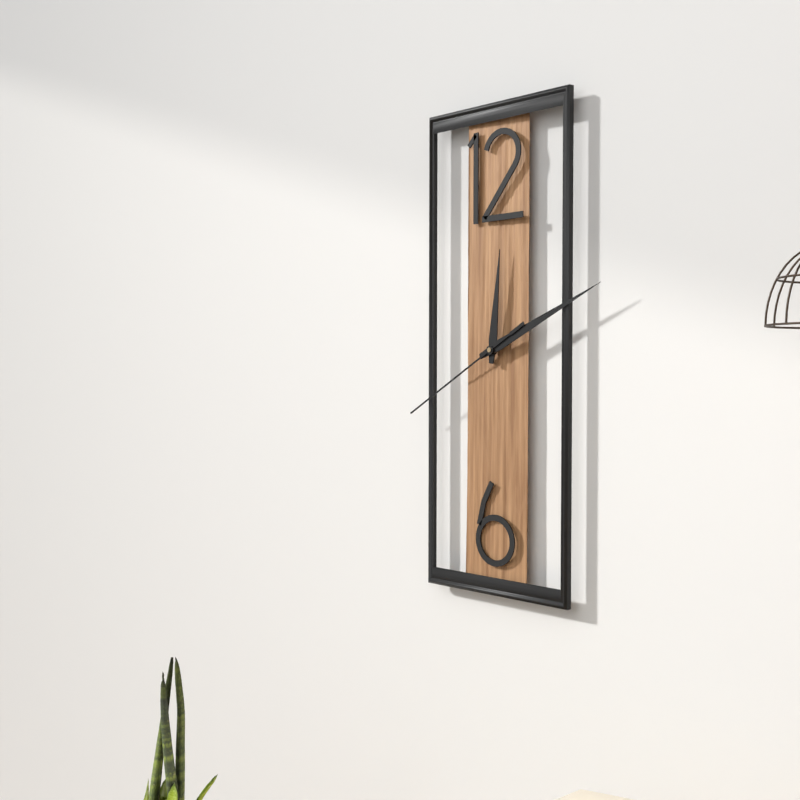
12:11:40
